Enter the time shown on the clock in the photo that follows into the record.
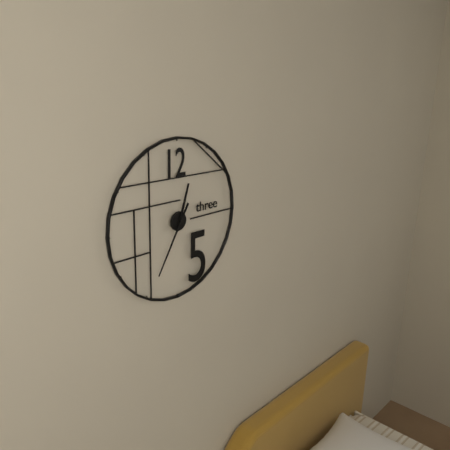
12:35
